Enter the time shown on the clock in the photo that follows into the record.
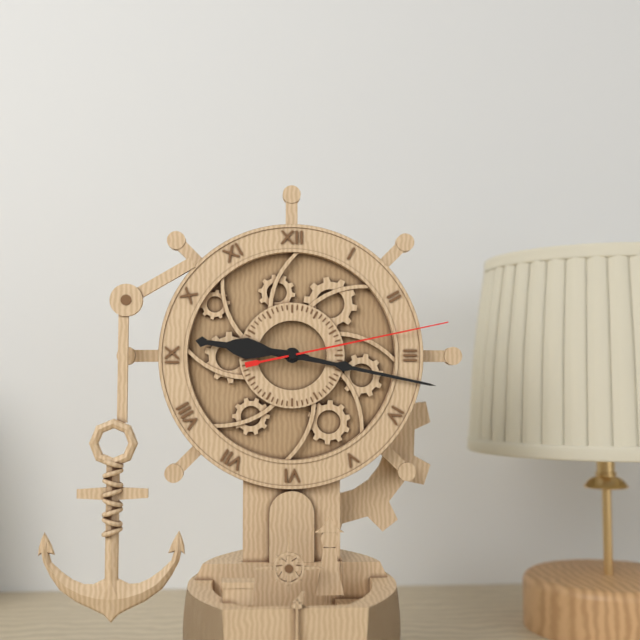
9:17:13
